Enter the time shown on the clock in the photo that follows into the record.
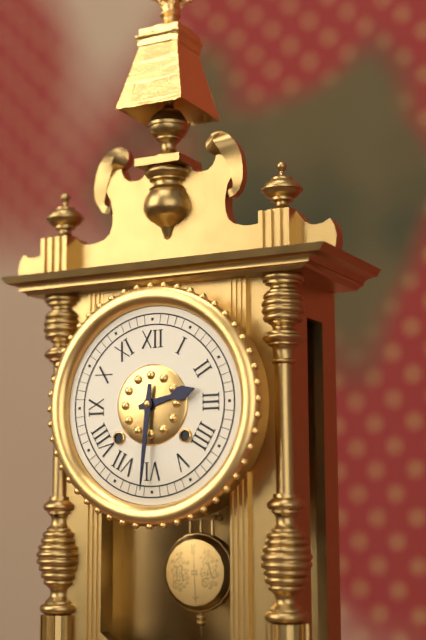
2:31
